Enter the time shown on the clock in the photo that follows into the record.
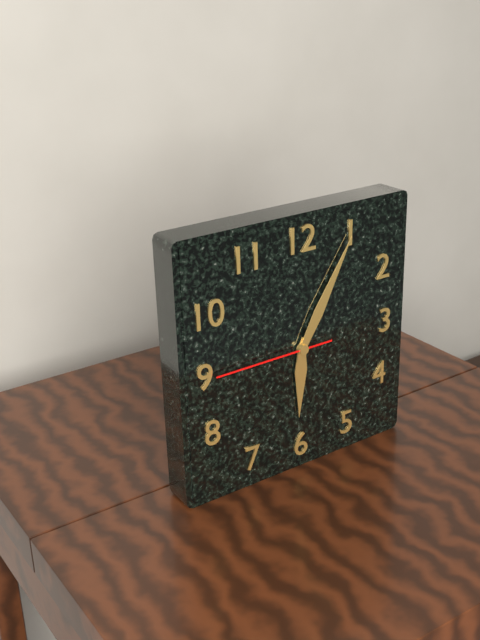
6:05:45
